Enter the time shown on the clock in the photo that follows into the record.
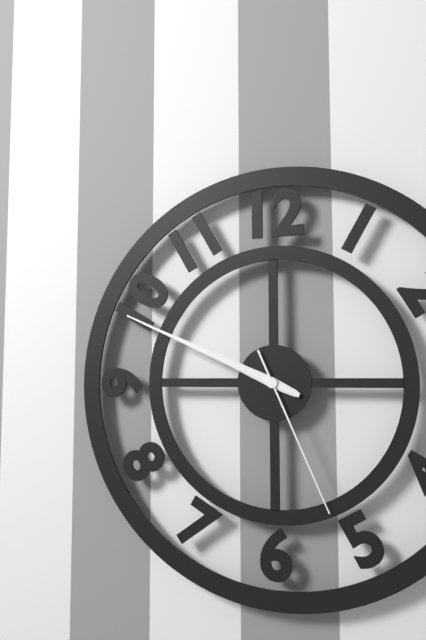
9:49:26
